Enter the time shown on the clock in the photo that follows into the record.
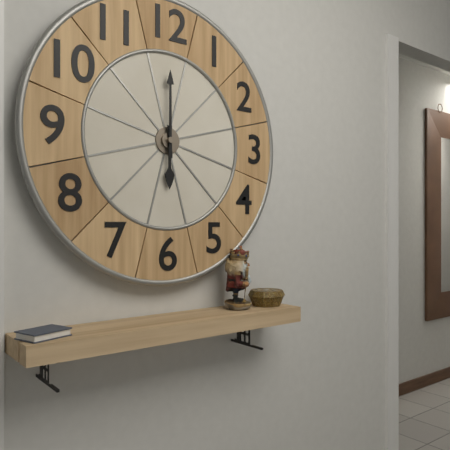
6:00
